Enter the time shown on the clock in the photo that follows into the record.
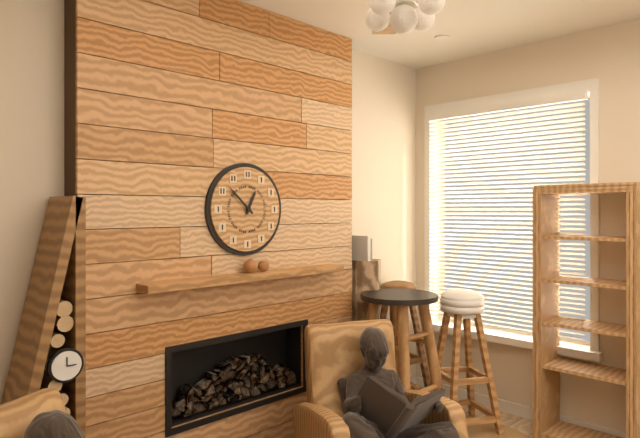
12:52
